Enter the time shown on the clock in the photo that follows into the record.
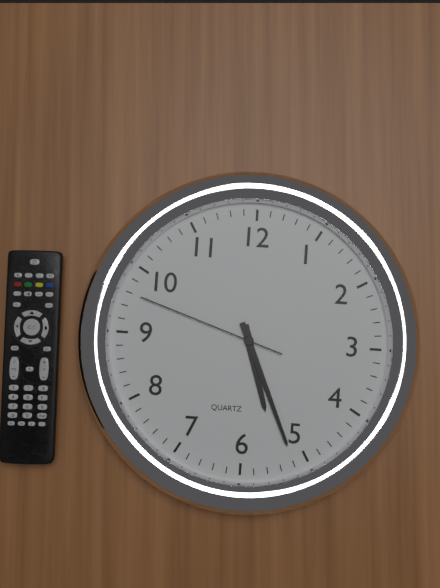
5:26:48
